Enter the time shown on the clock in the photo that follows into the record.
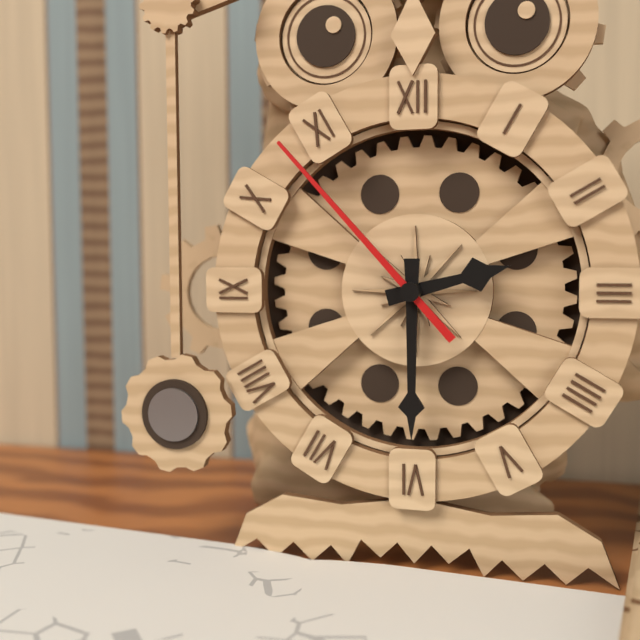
2:30:53
